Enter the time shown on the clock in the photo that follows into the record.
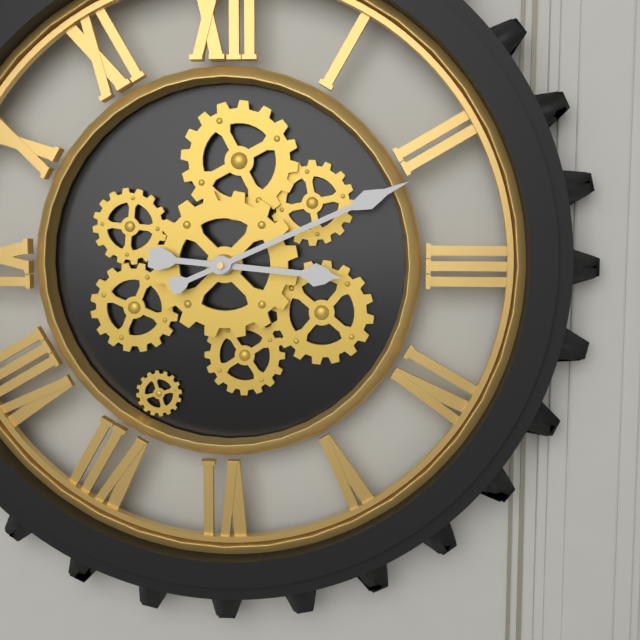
3:11
